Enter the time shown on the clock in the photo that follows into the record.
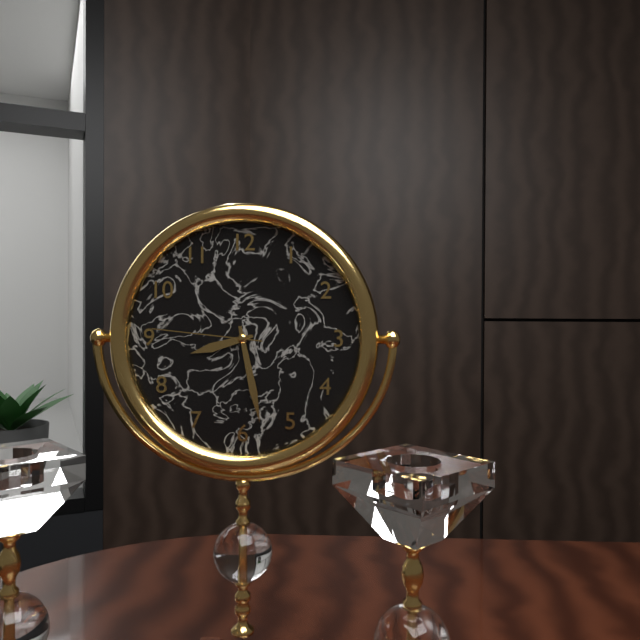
8:28:46
